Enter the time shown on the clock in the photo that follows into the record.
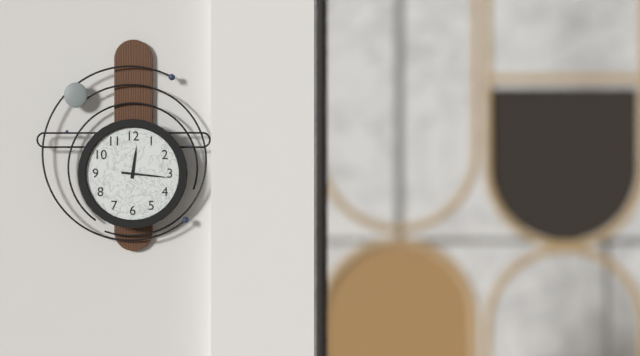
12:16
